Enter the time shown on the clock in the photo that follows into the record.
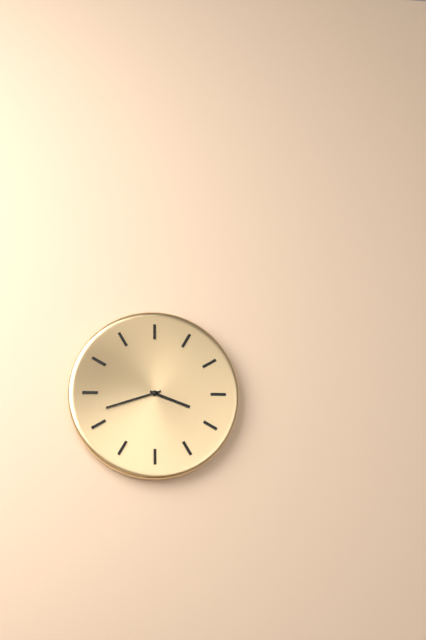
3:42
